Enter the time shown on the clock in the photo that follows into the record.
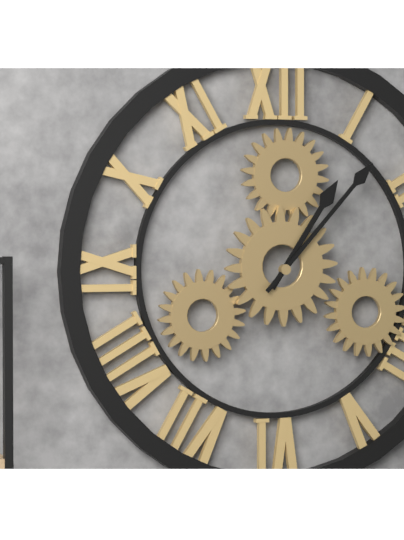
1:07
